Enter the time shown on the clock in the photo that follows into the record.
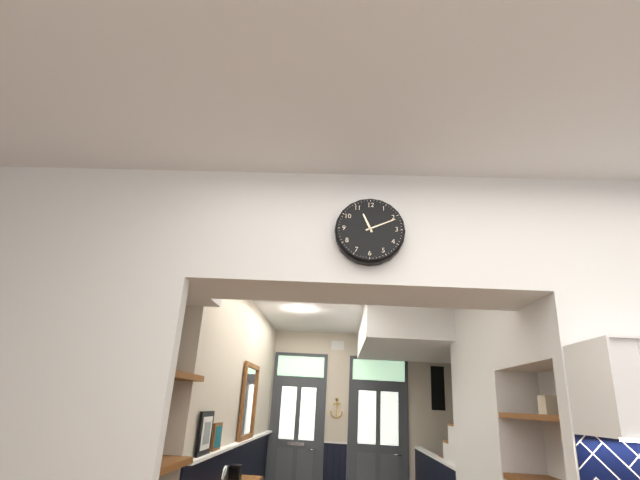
11:11
